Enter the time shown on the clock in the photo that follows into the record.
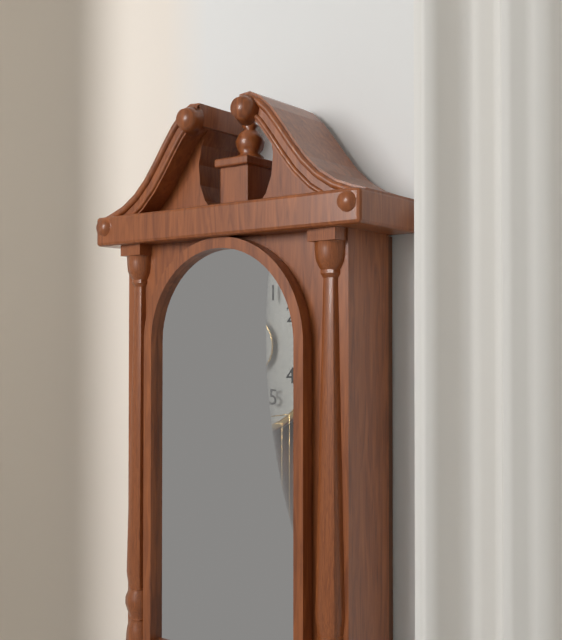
9:33
